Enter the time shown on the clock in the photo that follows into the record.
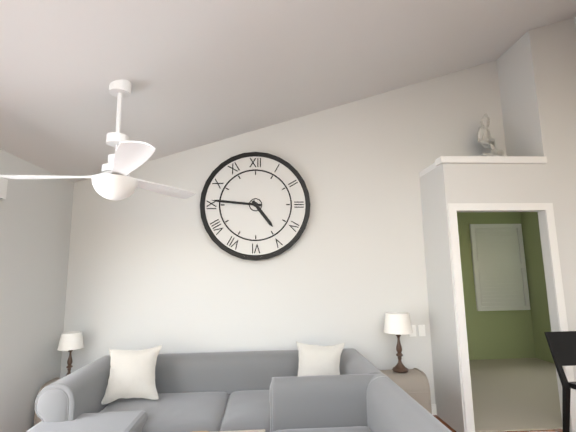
4:46
